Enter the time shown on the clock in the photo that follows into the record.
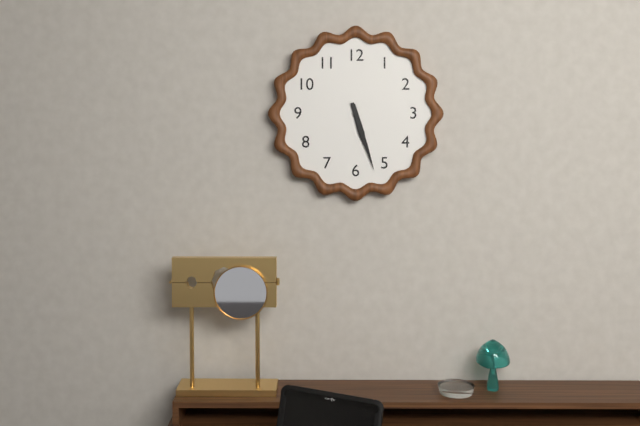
5:27
